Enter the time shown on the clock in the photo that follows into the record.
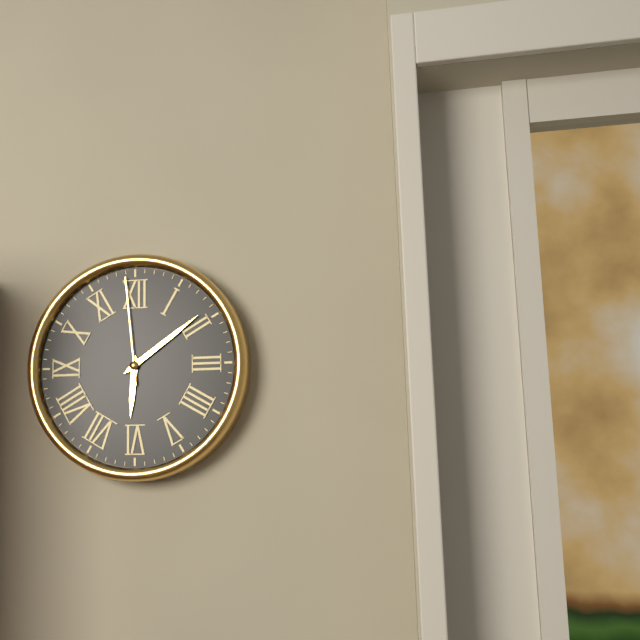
6:09:59
